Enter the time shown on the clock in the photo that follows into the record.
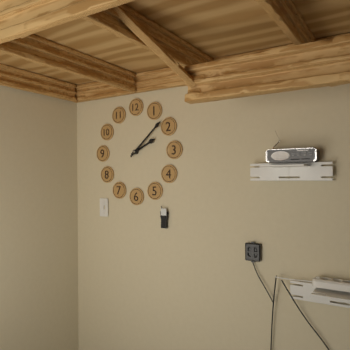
2:08
